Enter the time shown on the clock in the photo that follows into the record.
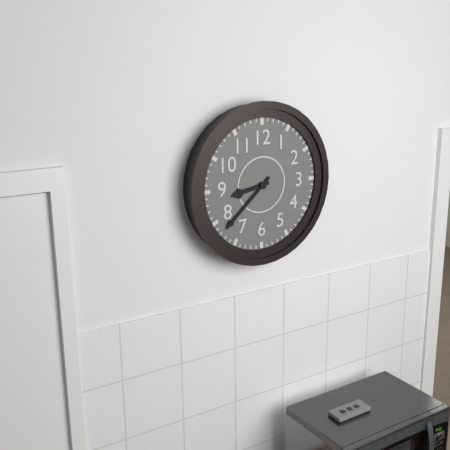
8:38
